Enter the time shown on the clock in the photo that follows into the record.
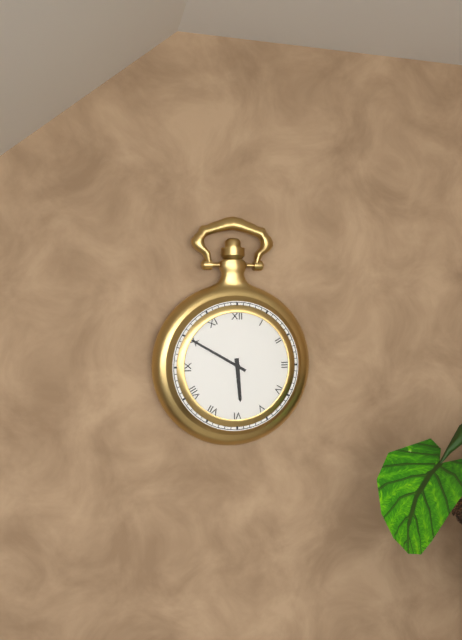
5:50
